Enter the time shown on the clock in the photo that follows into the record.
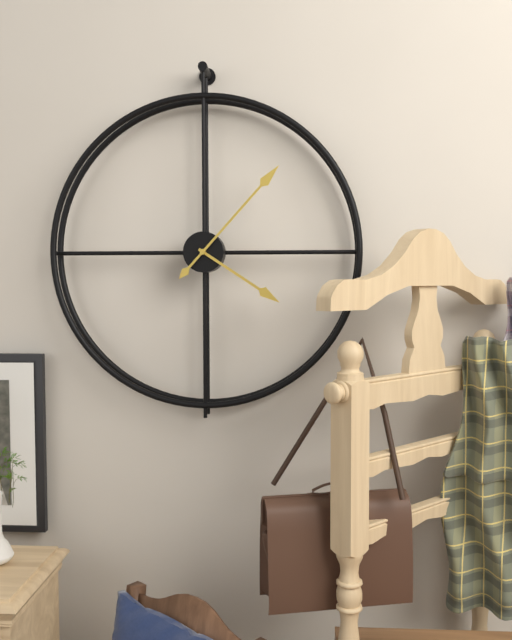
4:07
